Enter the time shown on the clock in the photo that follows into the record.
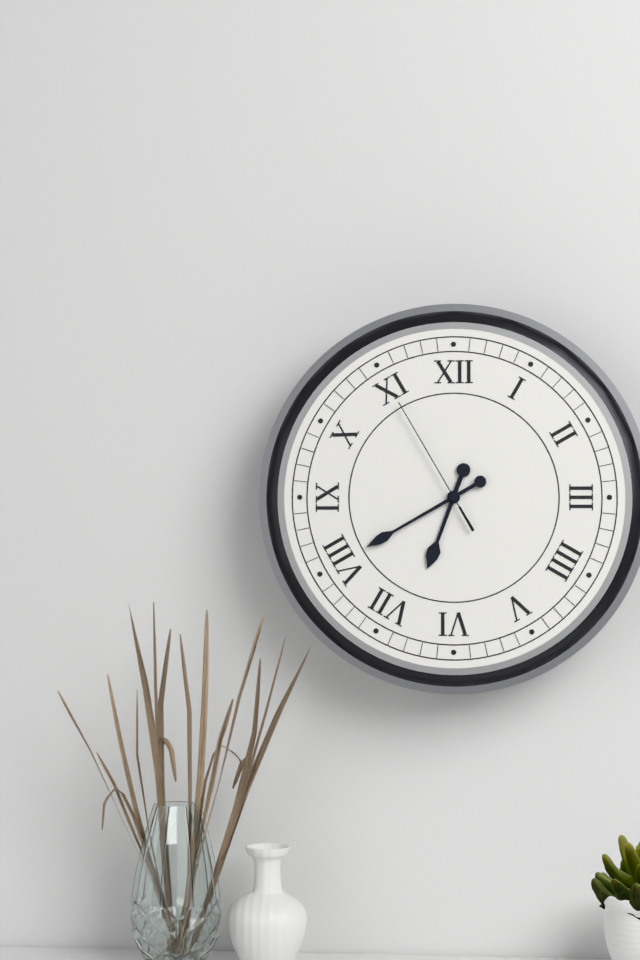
6:40:55
